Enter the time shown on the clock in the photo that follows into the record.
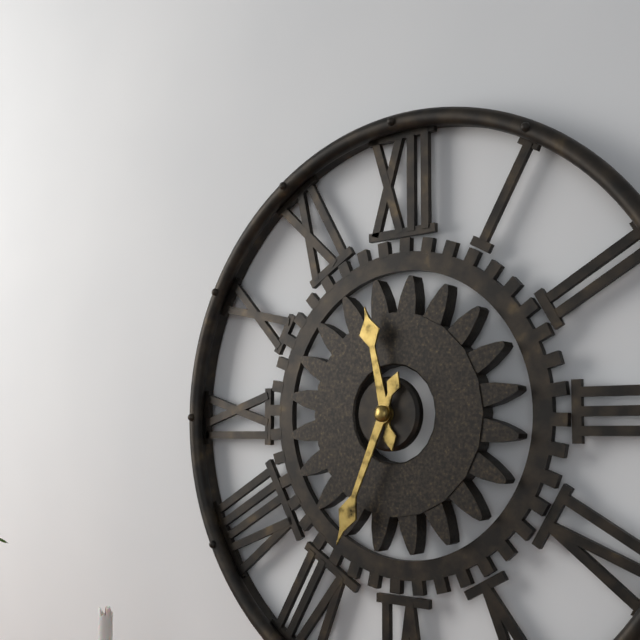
11:34
